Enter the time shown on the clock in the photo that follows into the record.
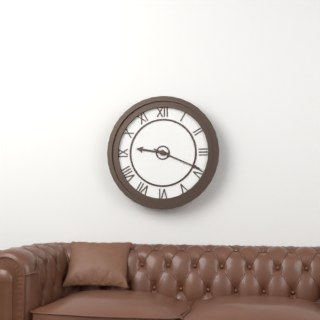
9:19
